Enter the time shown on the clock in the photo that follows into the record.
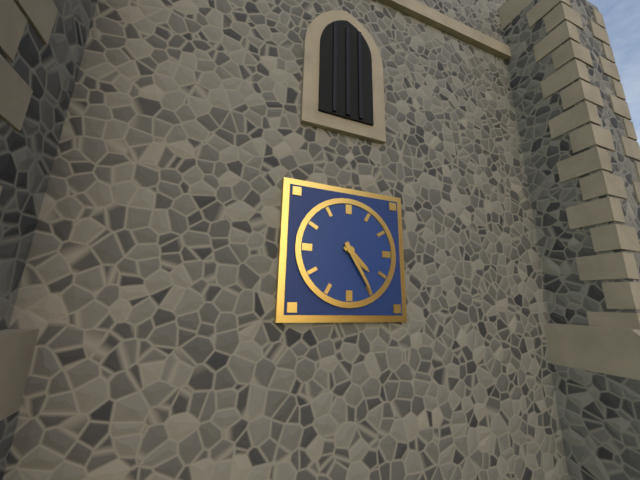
4:25
